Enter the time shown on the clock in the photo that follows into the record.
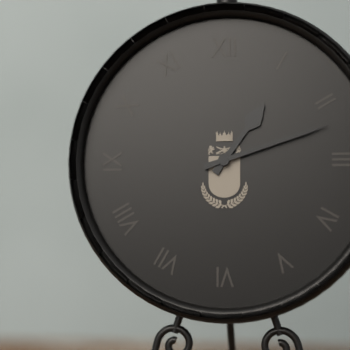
1:12
